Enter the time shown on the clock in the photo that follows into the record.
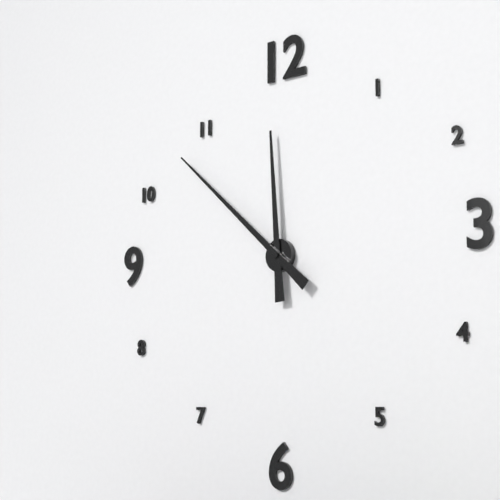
11:52
